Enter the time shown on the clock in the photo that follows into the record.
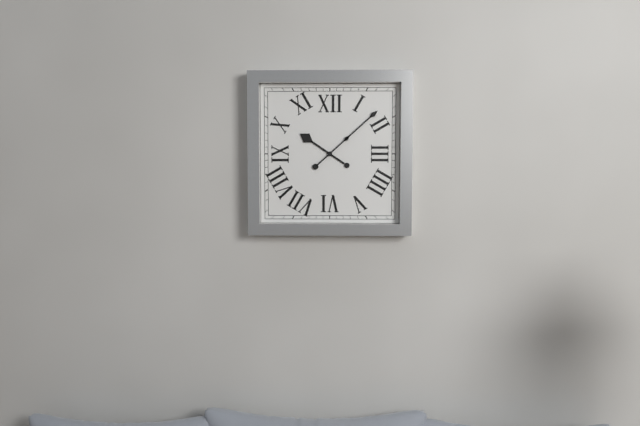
10:08
